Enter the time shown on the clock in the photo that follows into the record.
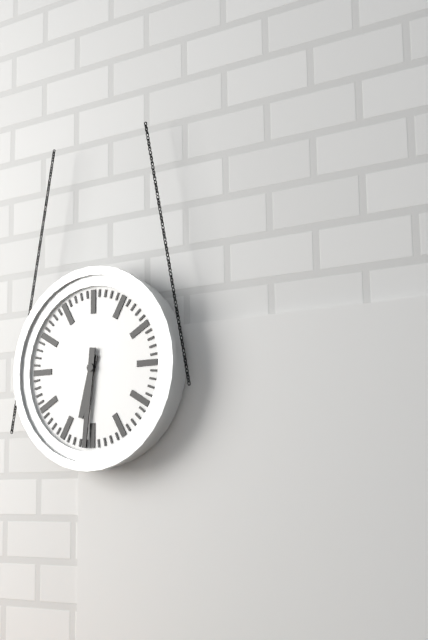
6:31
